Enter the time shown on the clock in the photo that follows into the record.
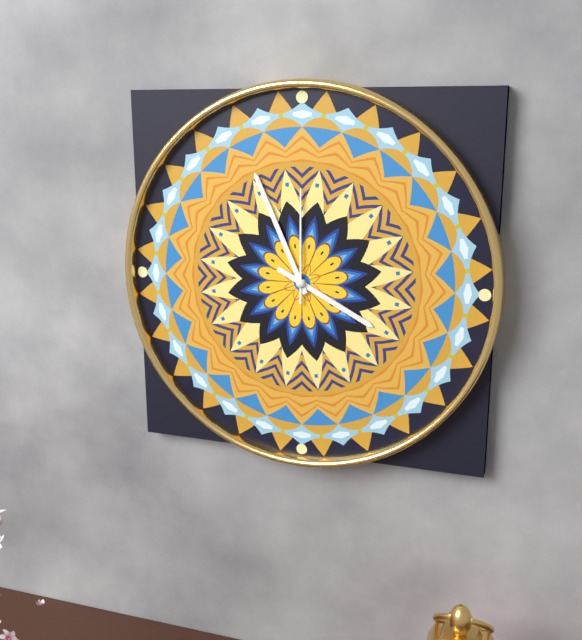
3:56:00
